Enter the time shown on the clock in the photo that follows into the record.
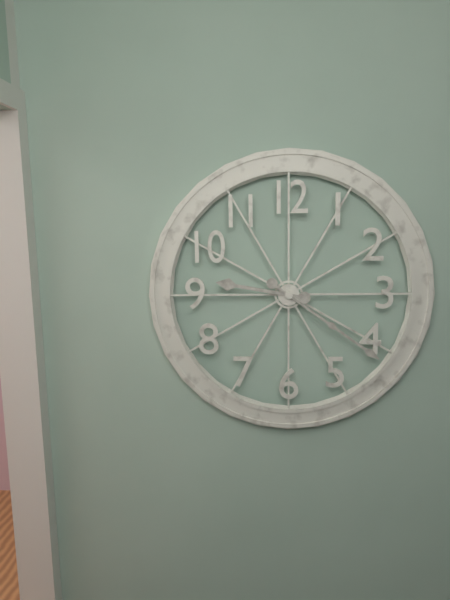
9:21
